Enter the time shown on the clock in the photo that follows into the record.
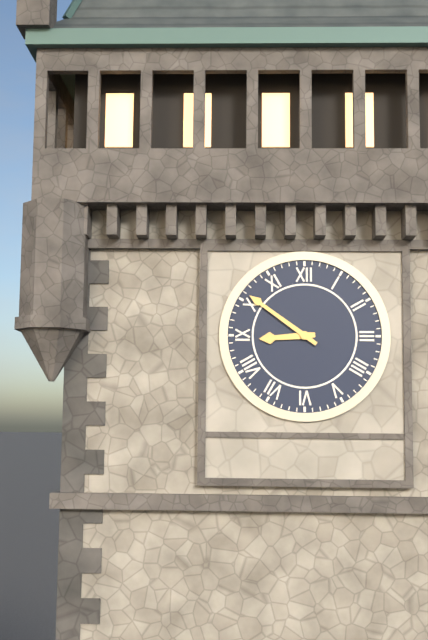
8:51
